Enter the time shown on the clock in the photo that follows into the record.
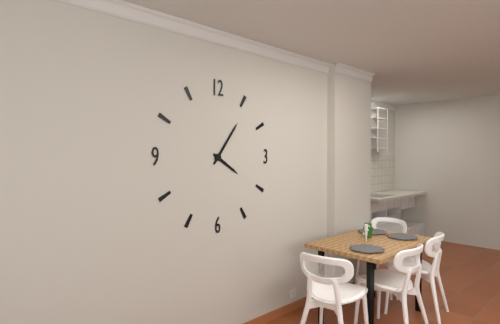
4:06
